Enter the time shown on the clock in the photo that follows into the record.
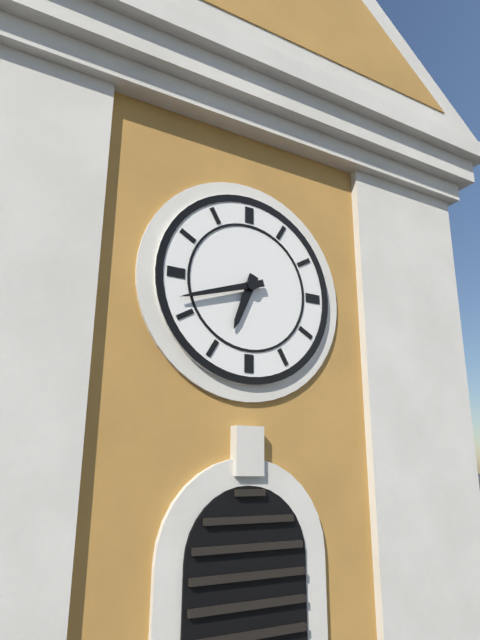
6:42
